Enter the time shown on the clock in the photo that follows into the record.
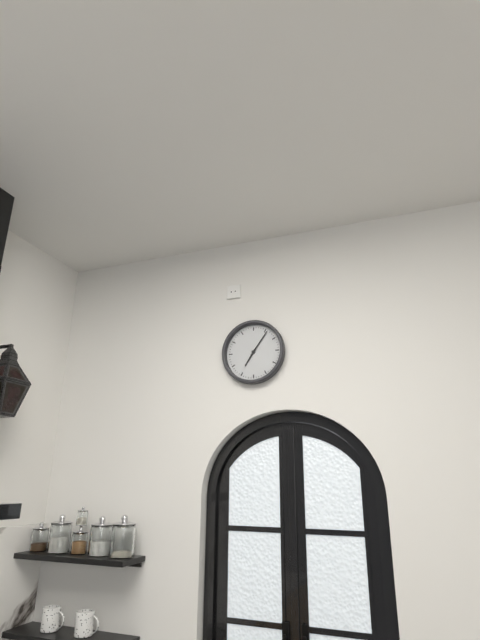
7:06
